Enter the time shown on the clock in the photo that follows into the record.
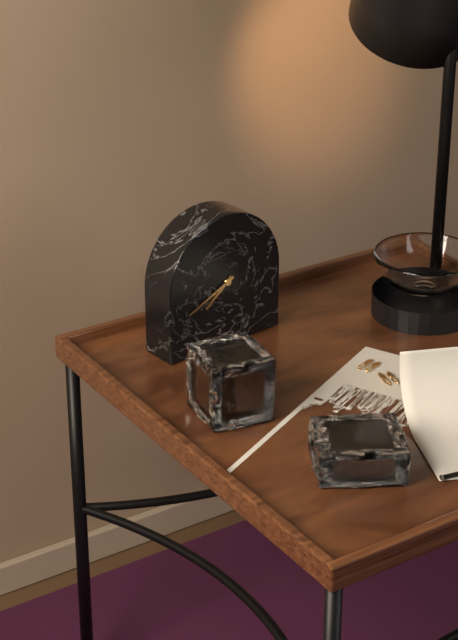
7:41
